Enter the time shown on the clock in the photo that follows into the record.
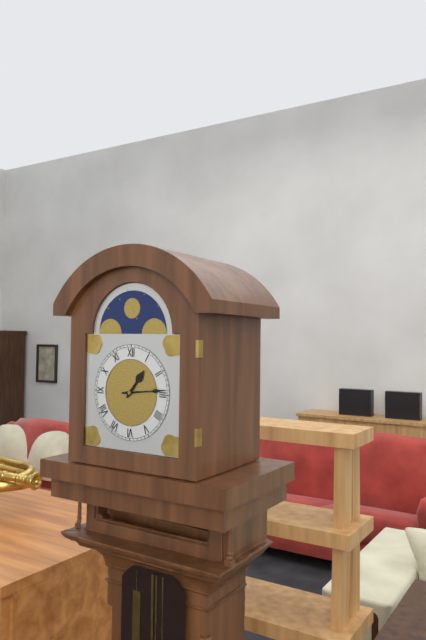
1:14
